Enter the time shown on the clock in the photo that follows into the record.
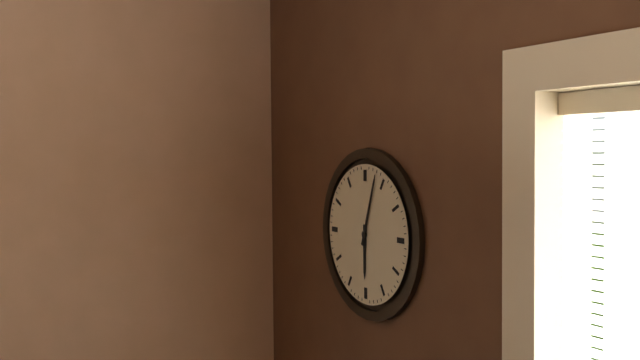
6:03
